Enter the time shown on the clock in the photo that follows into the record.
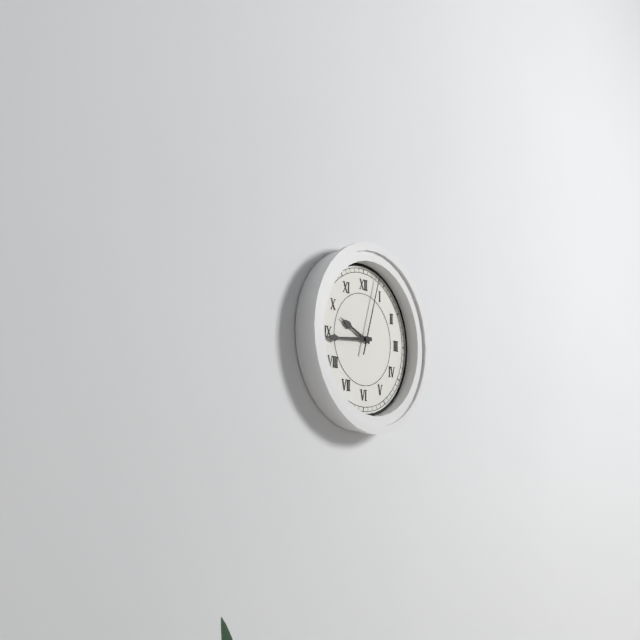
9:44:03
